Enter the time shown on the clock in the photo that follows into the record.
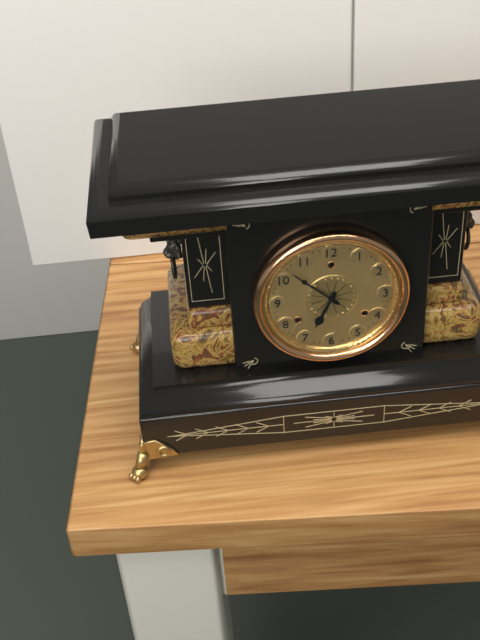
6:52
